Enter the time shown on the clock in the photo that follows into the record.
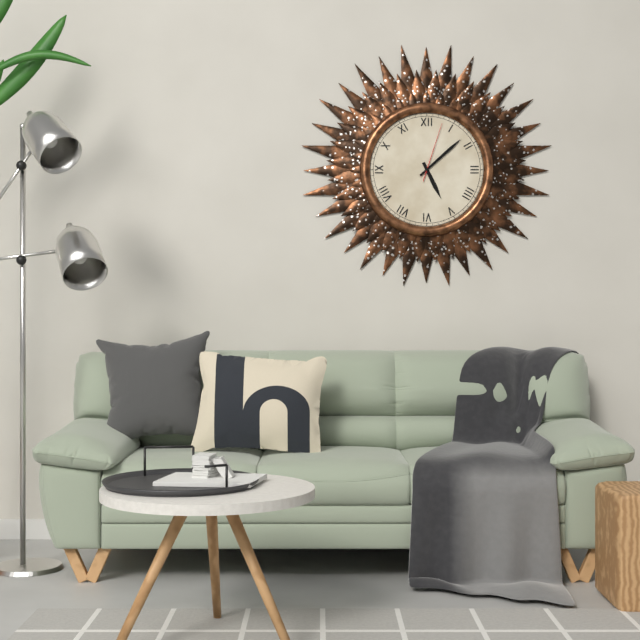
5:08:03
